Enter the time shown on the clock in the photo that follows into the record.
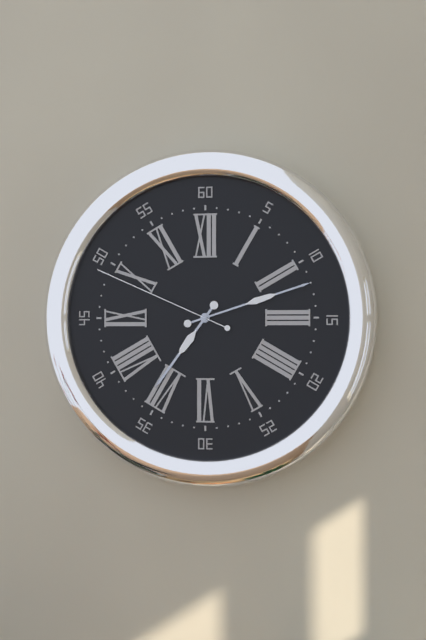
7:12:49
